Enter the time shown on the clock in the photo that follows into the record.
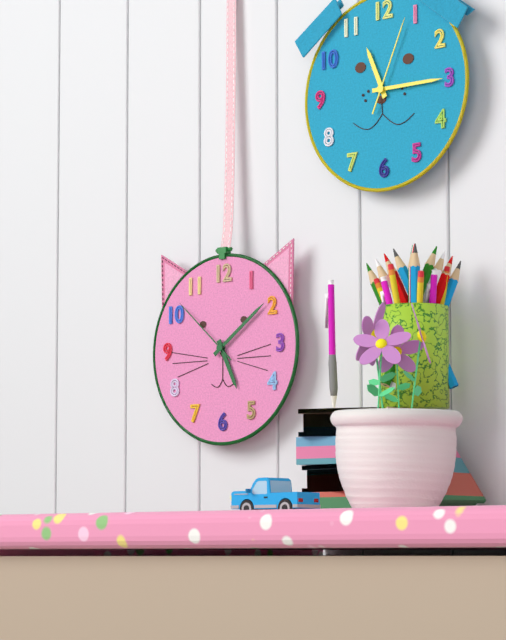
5:09:52
